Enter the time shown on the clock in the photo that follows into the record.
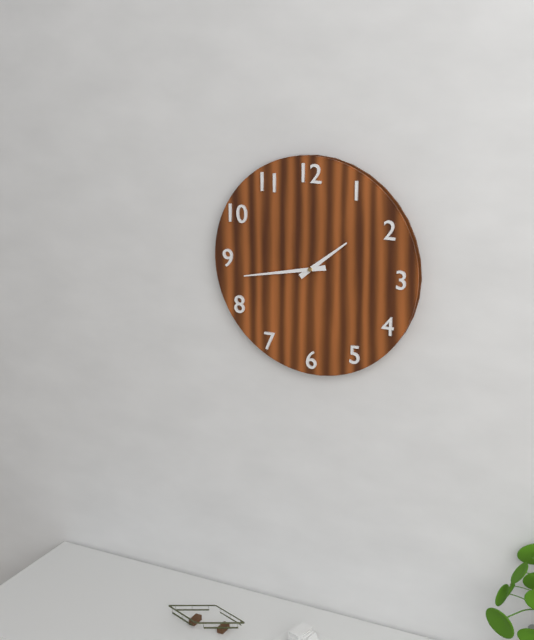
1:43
